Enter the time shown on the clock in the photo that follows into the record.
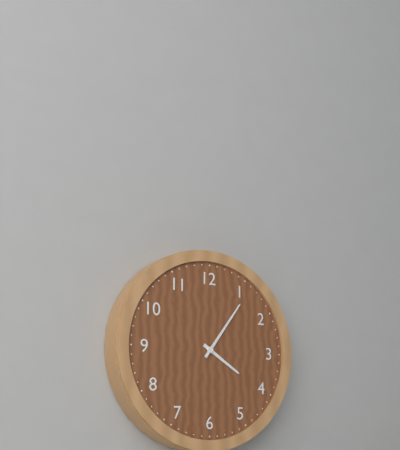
4:06
